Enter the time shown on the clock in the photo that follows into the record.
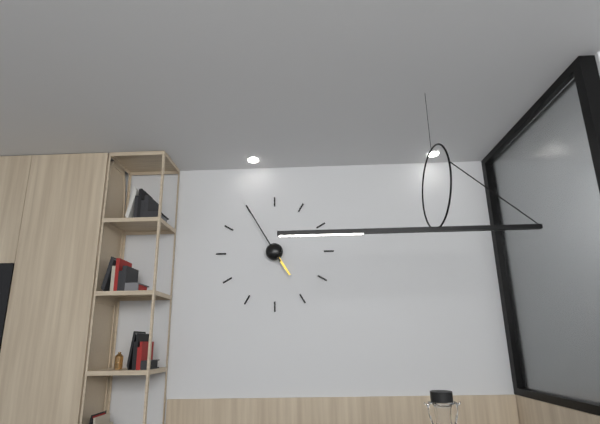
4:55
